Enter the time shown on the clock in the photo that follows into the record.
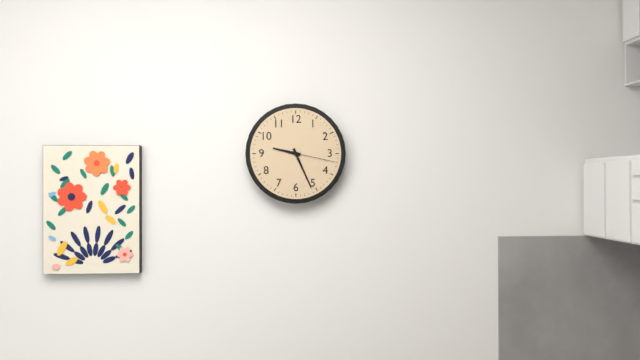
9:26:17
